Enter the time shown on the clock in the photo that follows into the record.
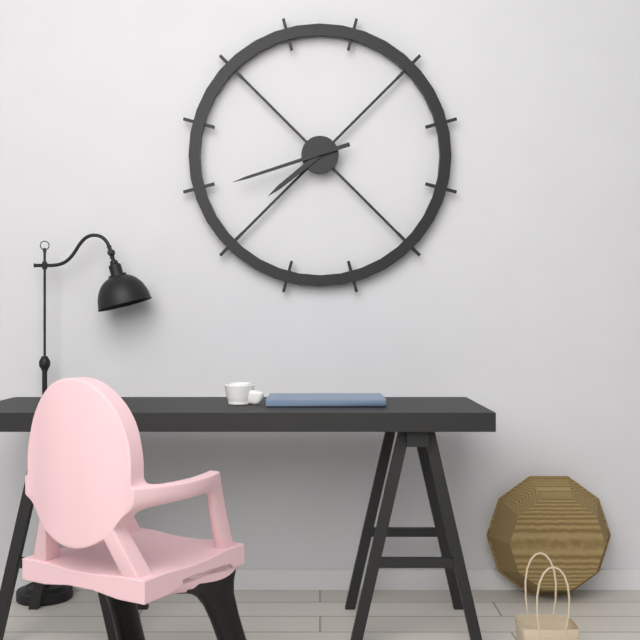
7:42
